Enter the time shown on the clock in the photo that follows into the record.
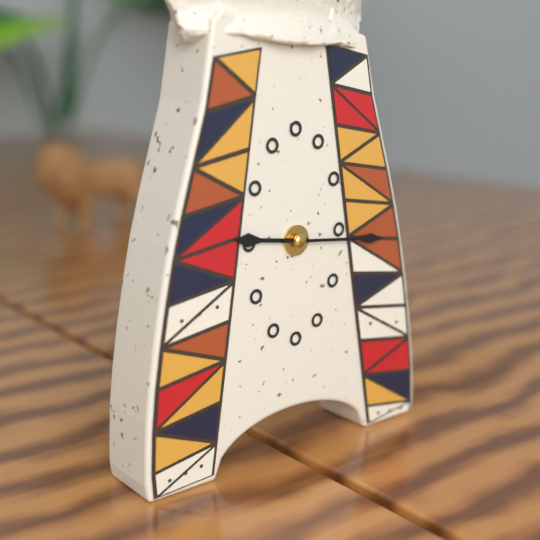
9:16
